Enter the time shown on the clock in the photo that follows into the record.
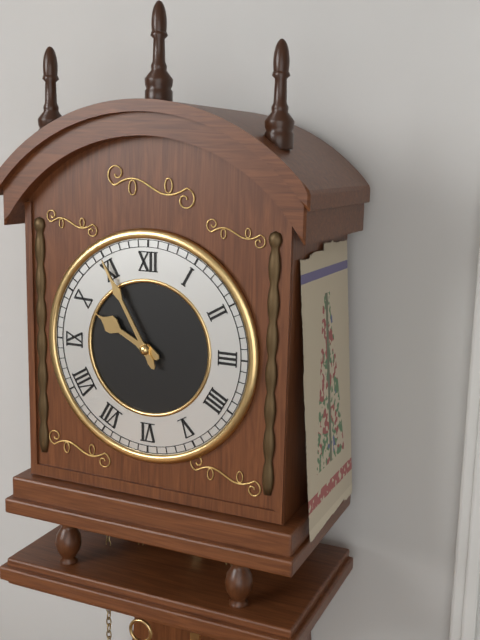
9:55
